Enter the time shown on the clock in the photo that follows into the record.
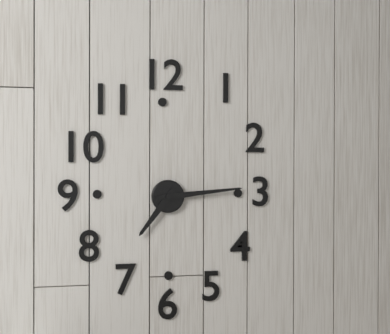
7:14
